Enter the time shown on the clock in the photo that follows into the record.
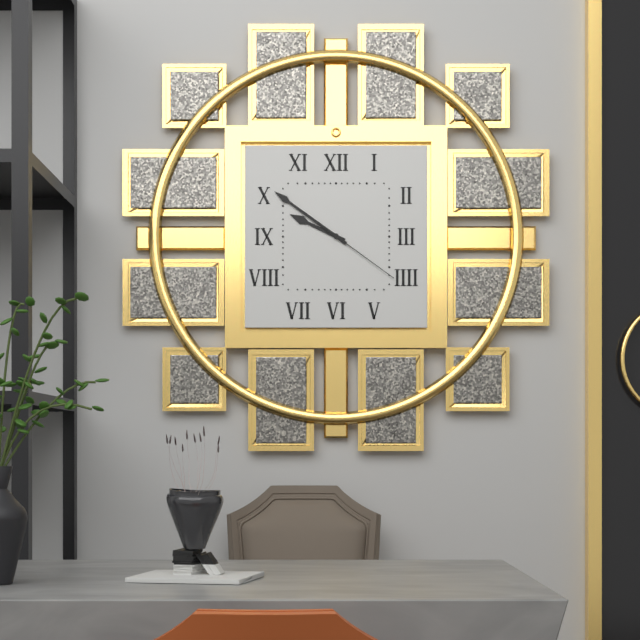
9:51:21
